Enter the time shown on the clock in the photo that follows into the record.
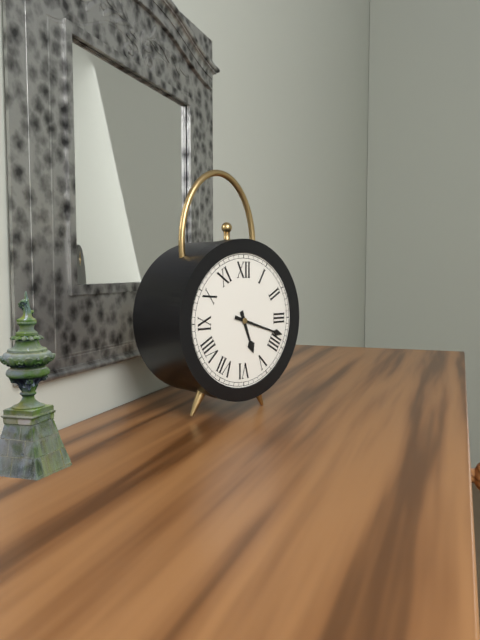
5:18
